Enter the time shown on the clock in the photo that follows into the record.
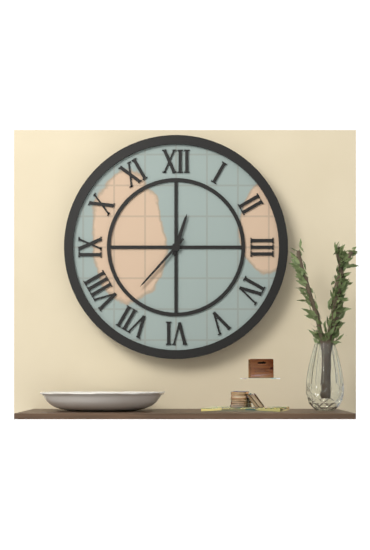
12:37
